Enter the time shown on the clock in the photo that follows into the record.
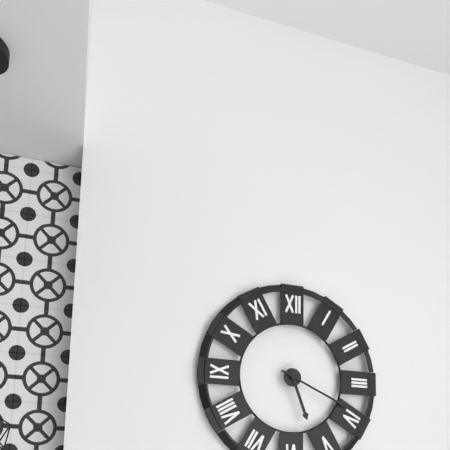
5:19
